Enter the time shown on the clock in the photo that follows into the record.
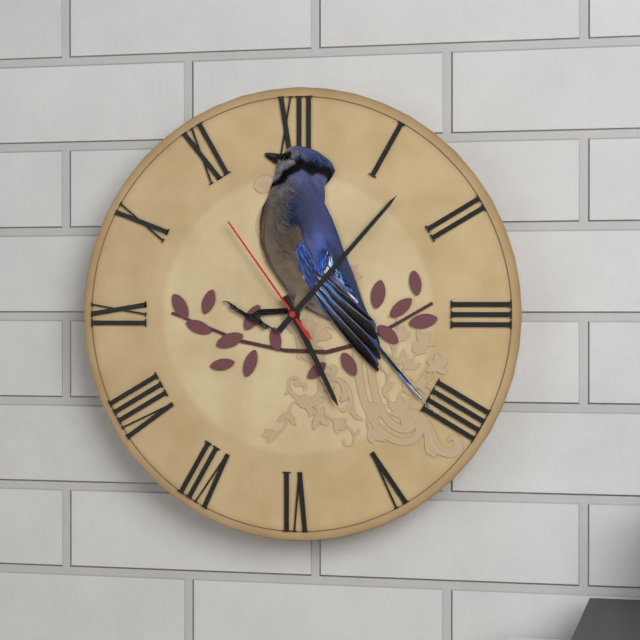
5:07:54
